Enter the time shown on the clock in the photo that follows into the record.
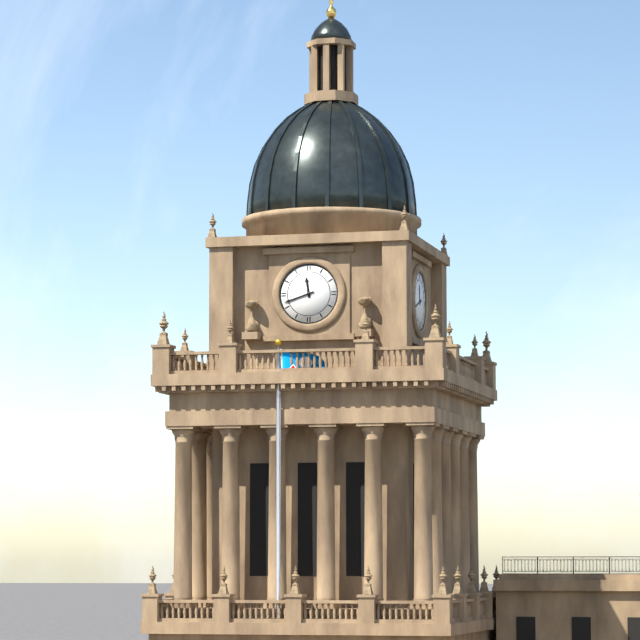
11:42
